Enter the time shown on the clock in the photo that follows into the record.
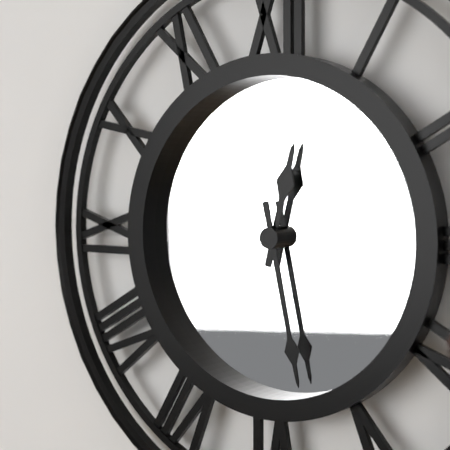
12:28
